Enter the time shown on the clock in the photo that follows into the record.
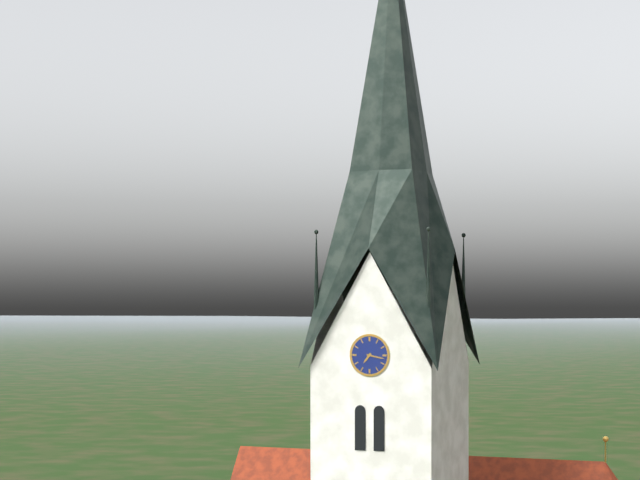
7:17
